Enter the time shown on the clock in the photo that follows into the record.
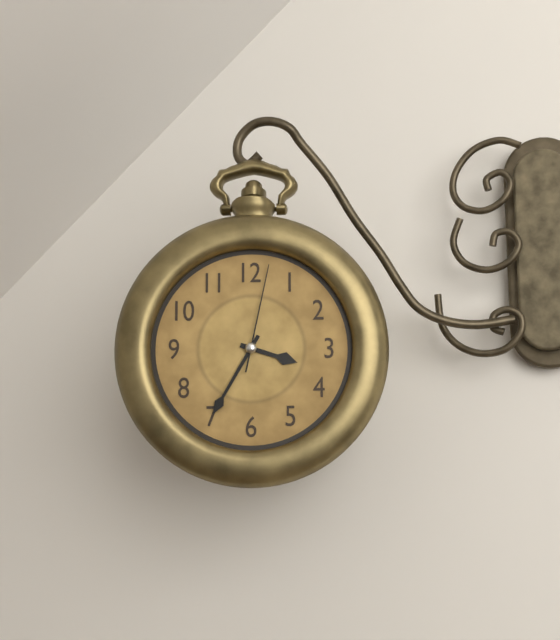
3:35:02
